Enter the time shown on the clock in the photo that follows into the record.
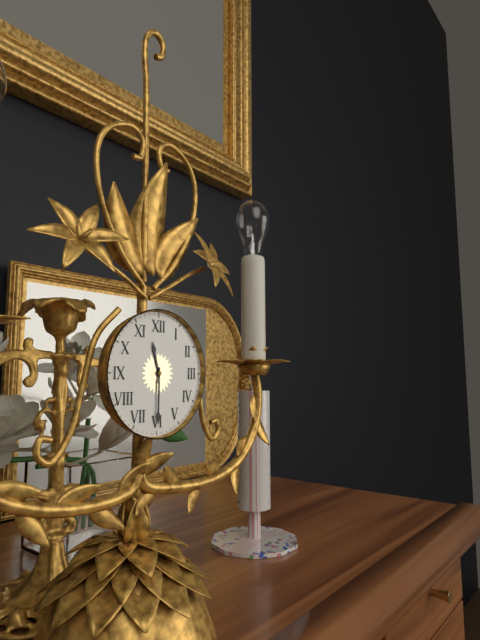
11:30
